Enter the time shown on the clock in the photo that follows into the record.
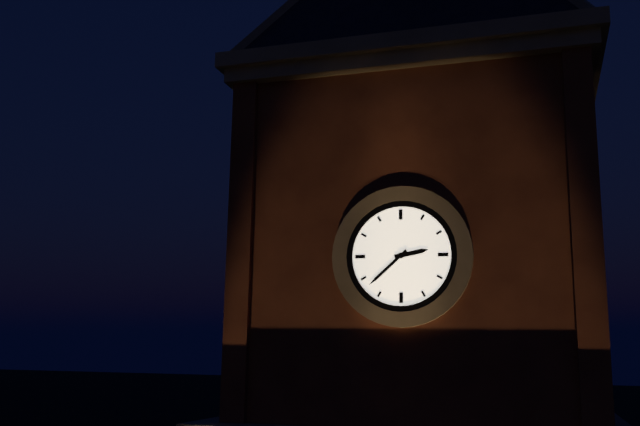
2:38
